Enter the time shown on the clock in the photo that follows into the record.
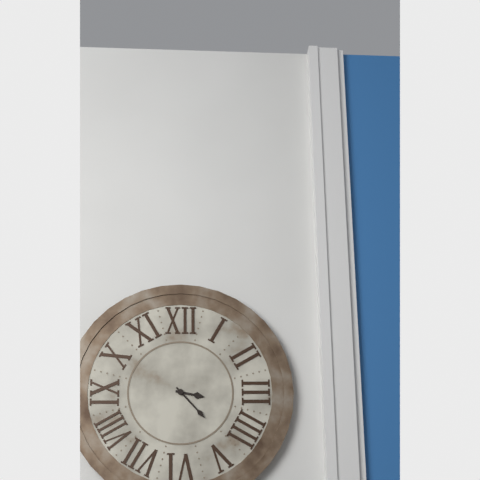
3:23
